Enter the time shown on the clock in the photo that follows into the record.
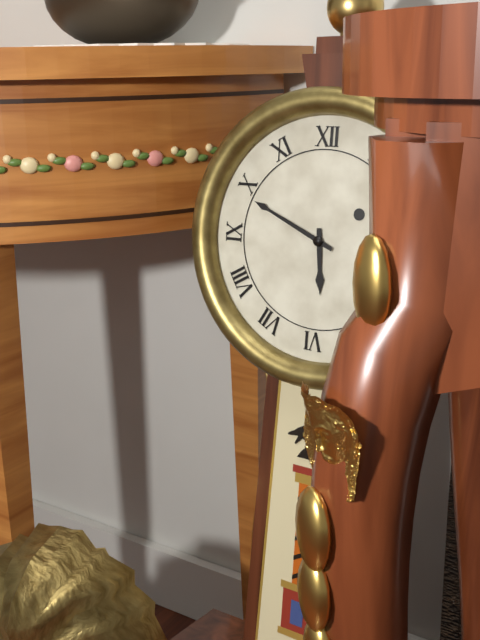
5:49
